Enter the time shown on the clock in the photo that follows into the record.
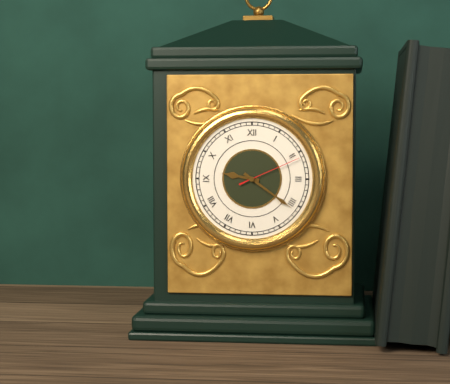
9:21:11
